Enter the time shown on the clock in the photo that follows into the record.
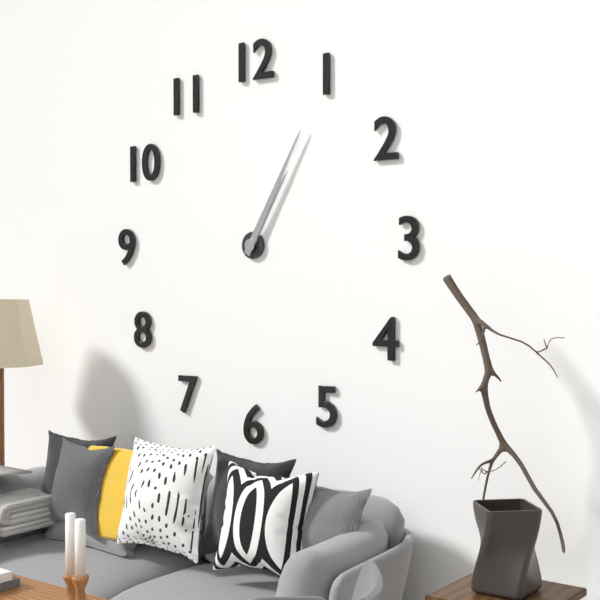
1:05
